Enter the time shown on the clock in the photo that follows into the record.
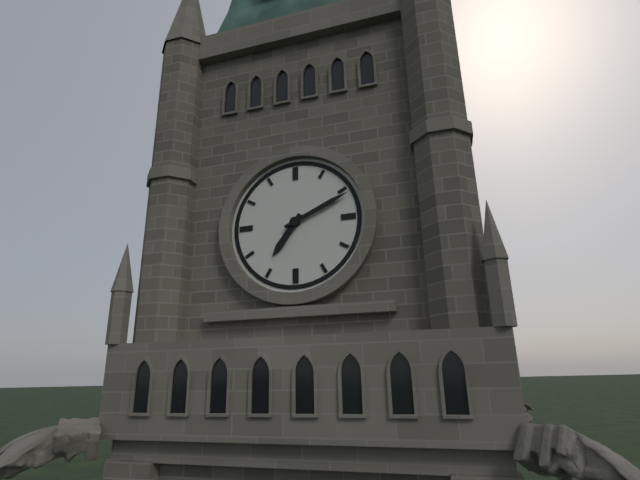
7:11
